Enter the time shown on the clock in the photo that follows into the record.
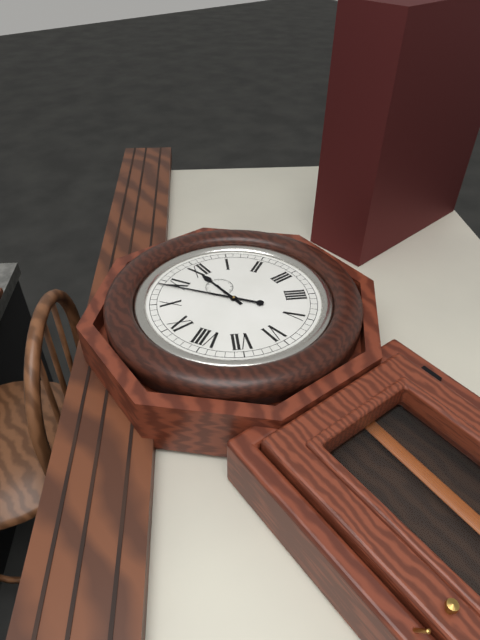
11:54
